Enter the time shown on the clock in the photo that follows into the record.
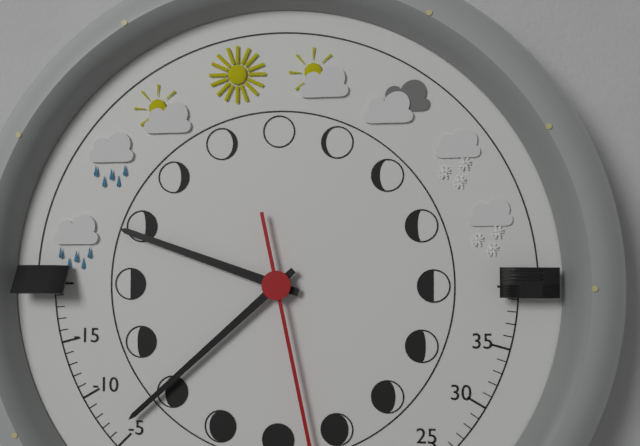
9:38
